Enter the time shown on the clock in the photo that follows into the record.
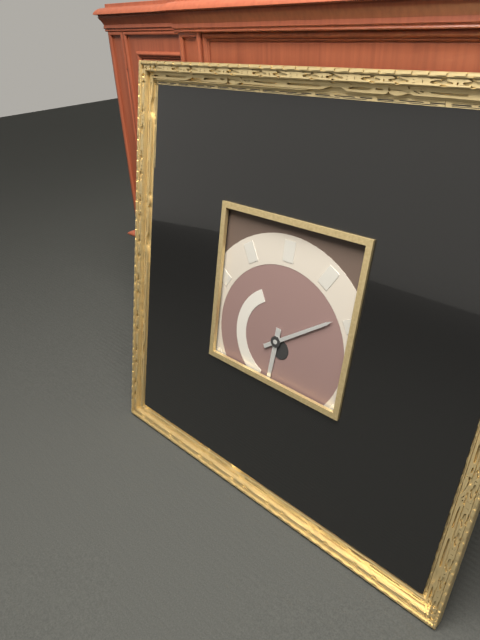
6:09
